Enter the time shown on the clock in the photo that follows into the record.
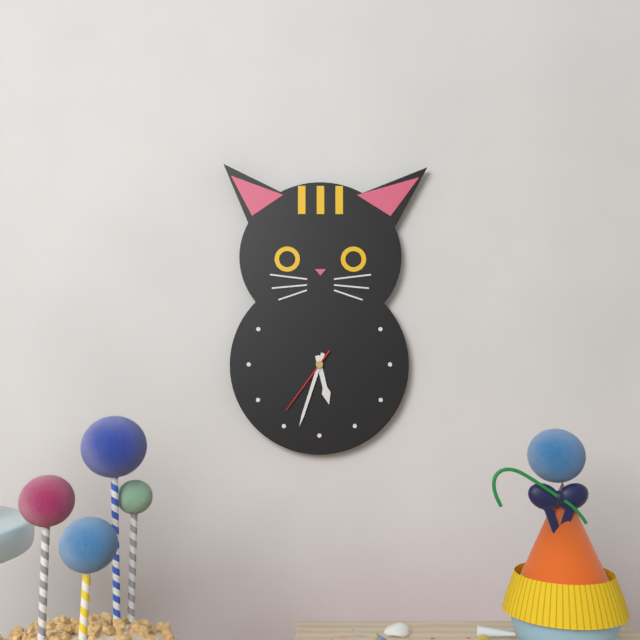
5:33:36
